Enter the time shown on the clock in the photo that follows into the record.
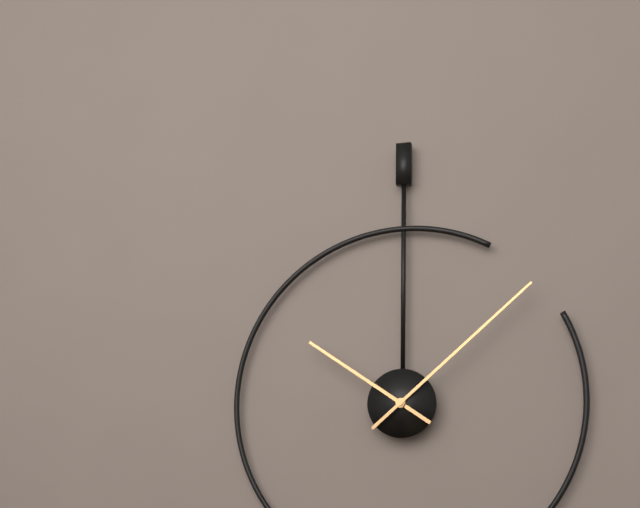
10:08
